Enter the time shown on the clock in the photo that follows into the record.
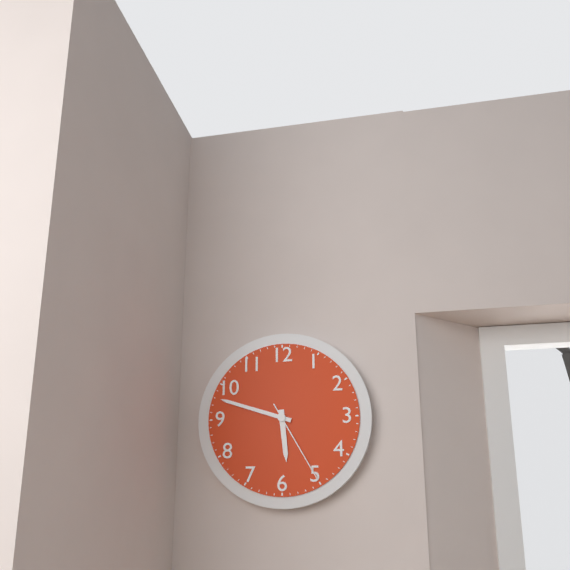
5:48:25
